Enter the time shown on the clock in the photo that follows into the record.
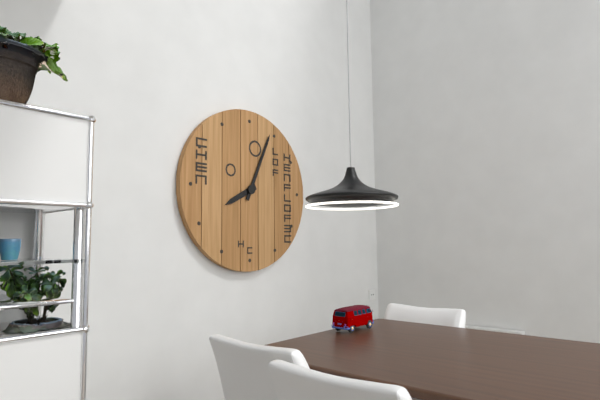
8:04
